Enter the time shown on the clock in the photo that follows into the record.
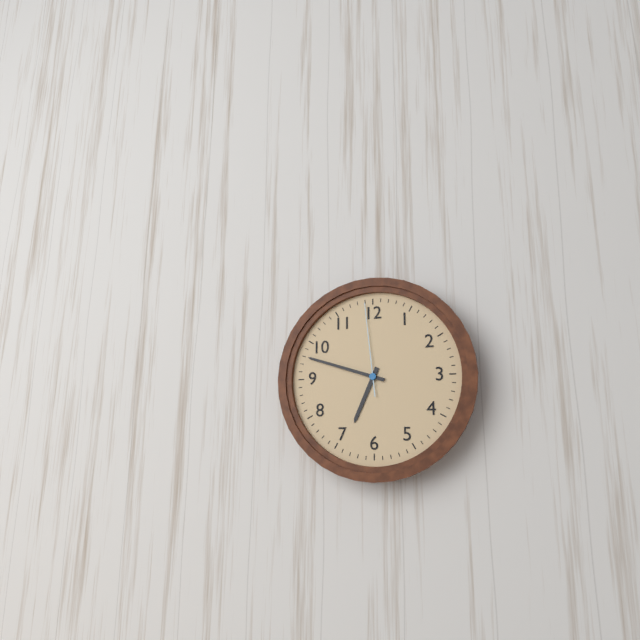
6:48:59
